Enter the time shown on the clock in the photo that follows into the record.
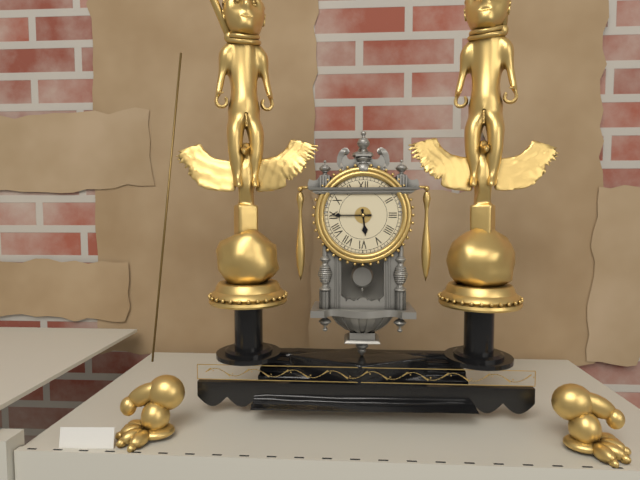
5:45
